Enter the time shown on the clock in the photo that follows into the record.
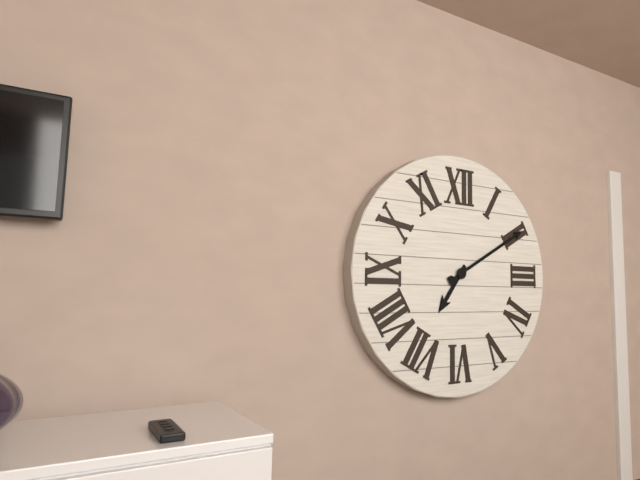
7:10
